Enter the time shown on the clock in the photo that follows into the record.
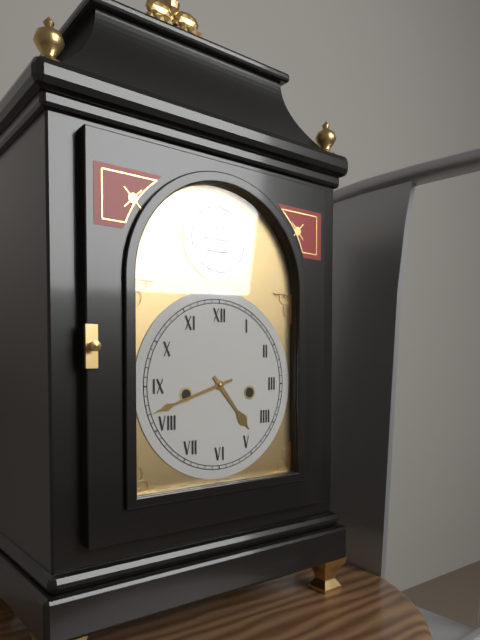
4:42
